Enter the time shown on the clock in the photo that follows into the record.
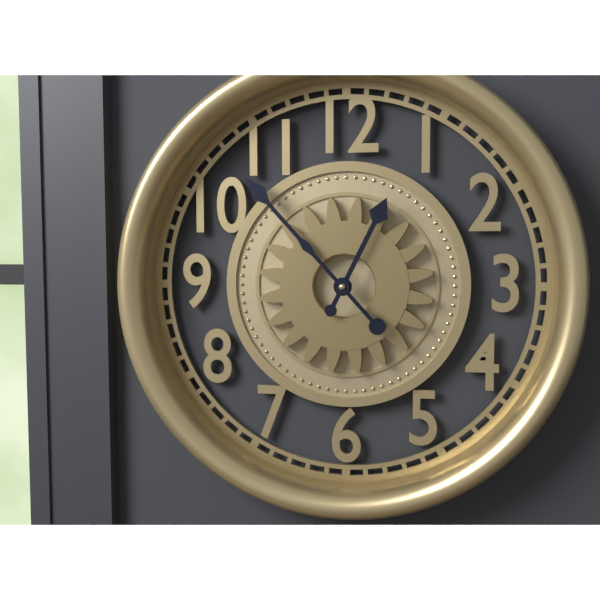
12:53
